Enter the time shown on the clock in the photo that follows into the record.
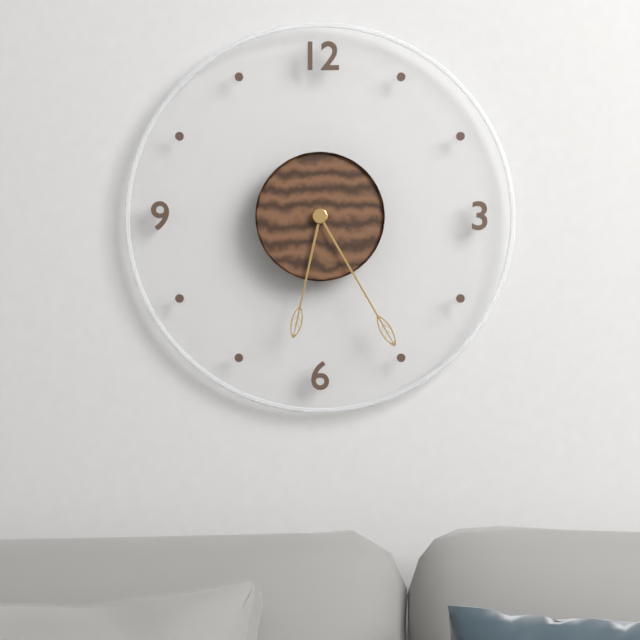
6:25
